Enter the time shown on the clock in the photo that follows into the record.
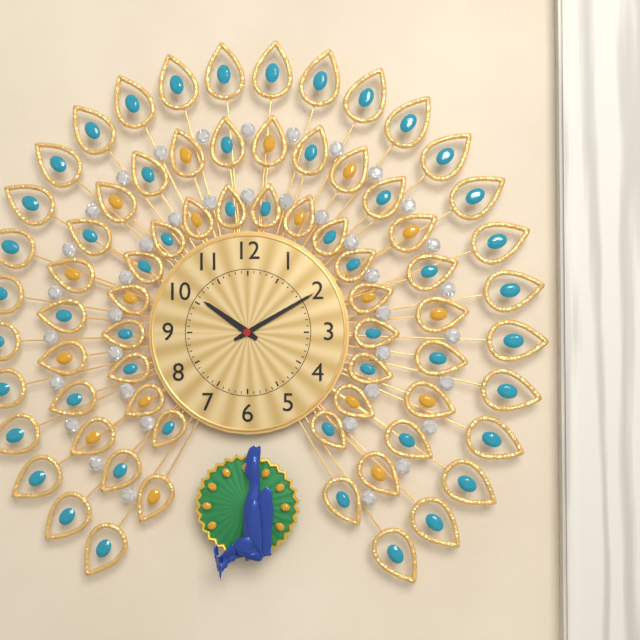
10:10
